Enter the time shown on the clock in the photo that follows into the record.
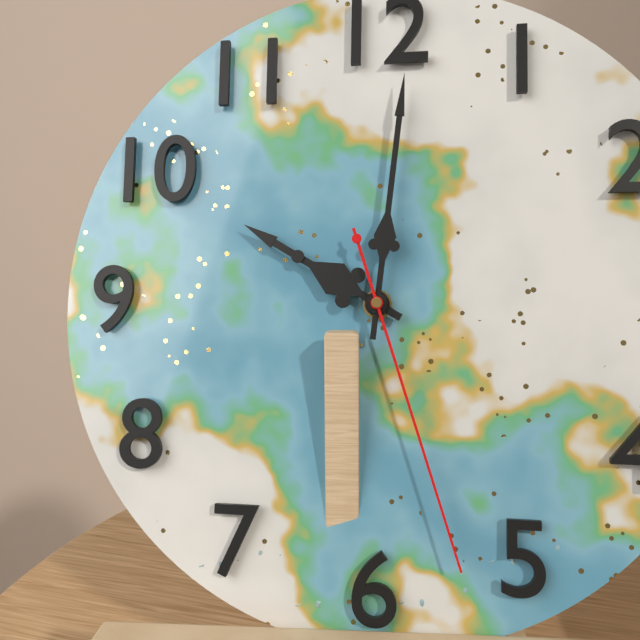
10:01:27
